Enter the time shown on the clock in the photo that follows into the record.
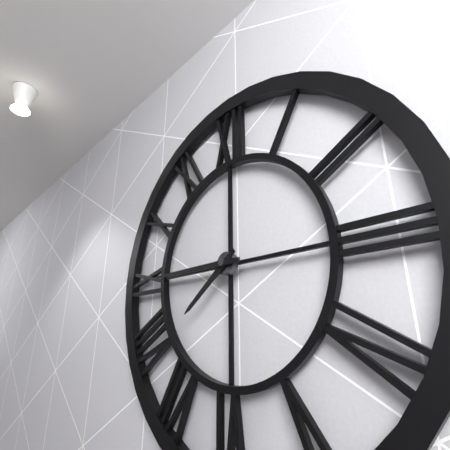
7:45
